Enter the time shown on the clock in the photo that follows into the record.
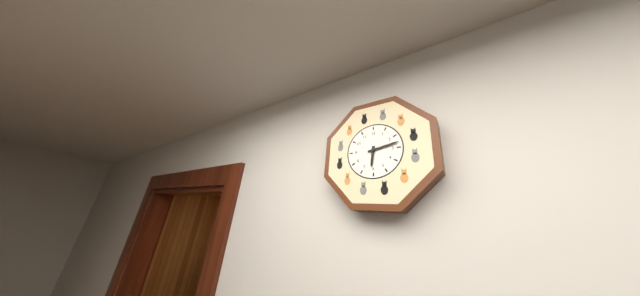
6:13
